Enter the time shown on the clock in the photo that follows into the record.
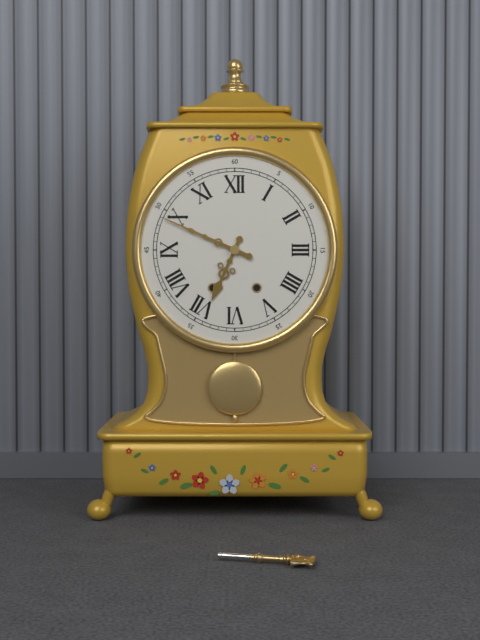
6:49
